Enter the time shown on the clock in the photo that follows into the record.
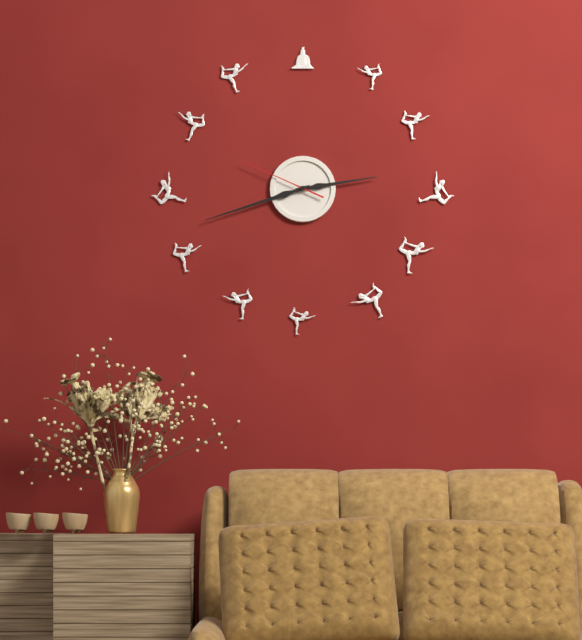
2:42:49
